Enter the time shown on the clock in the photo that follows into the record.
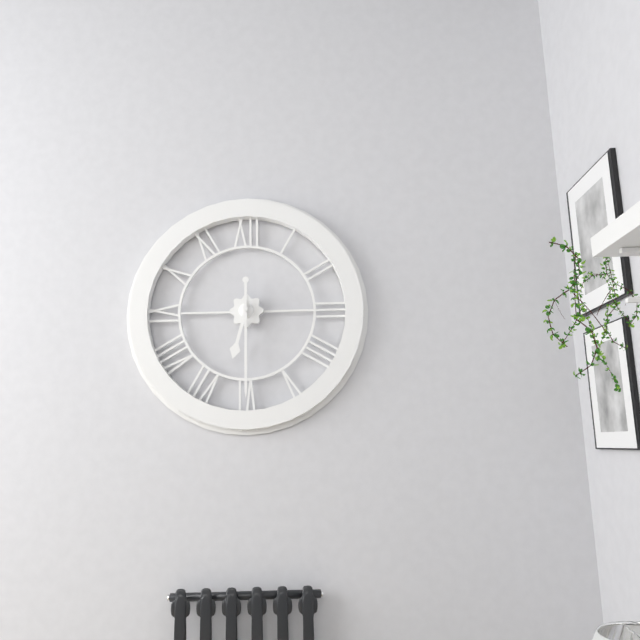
6:30
